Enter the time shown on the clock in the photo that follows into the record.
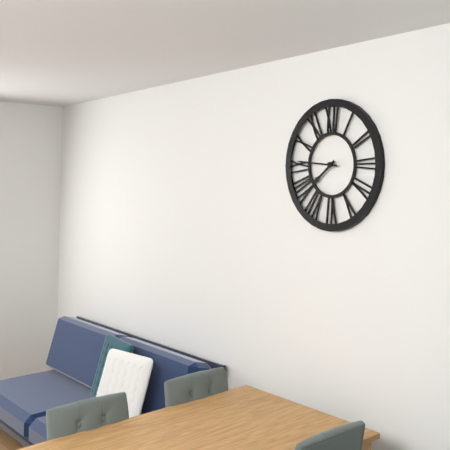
7:46
